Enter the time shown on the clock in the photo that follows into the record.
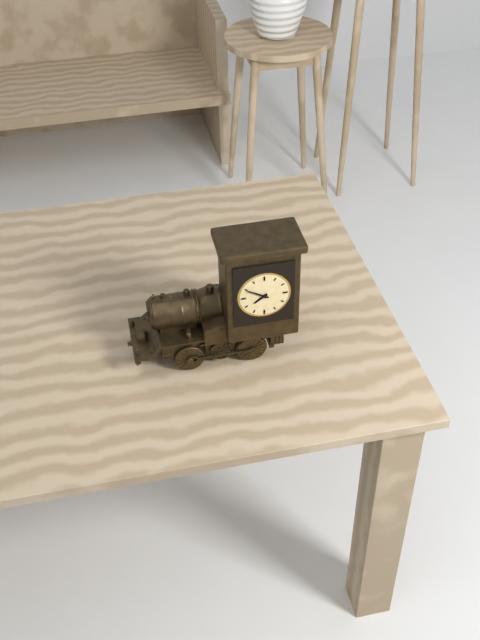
7:50
